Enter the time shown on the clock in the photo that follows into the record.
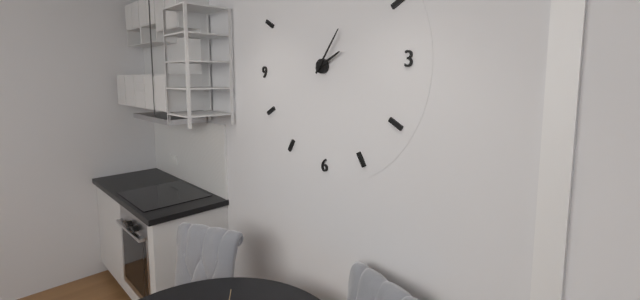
2:06
